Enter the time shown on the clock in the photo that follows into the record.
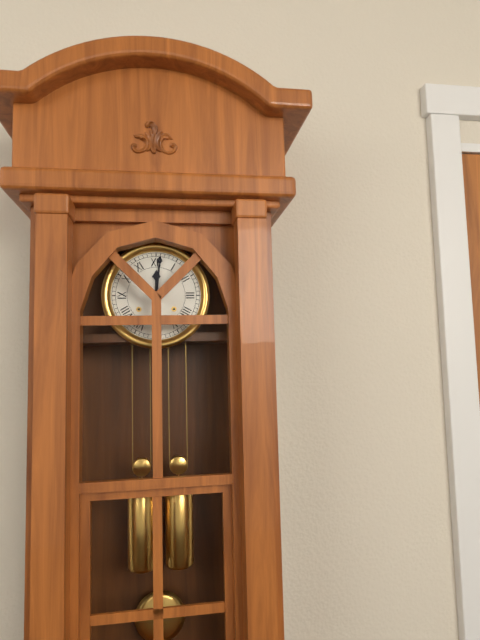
12:01
